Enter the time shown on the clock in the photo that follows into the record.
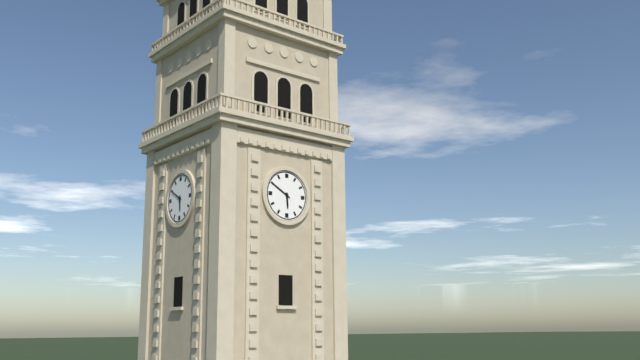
5:50
